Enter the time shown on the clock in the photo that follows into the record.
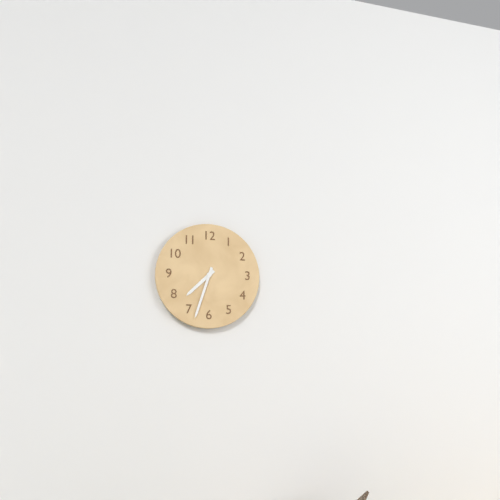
7:33
